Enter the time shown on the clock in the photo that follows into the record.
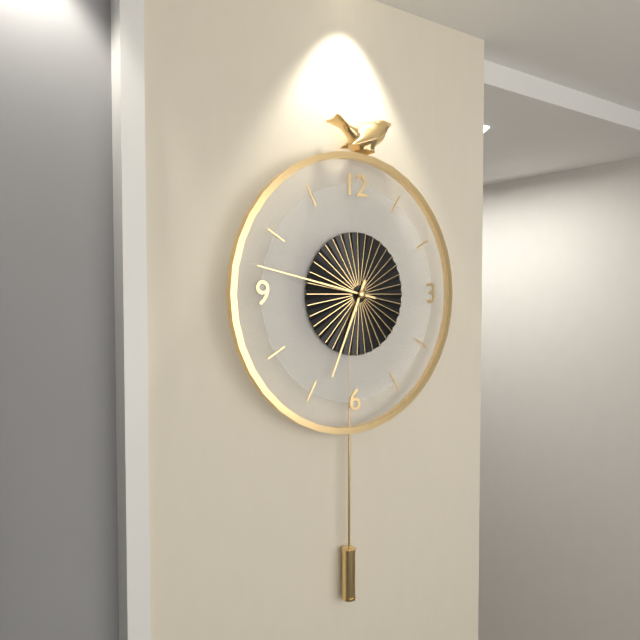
6:47
